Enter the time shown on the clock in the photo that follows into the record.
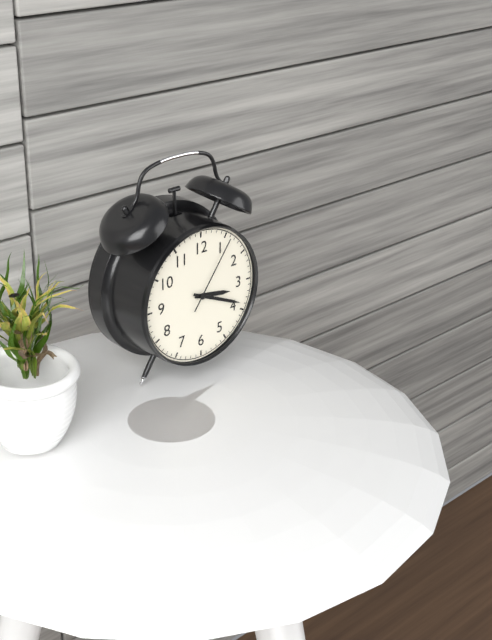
3:19:06
